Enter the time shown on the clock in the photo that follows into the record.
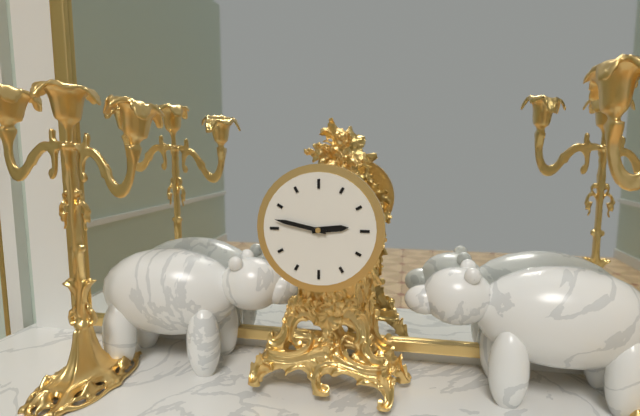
2:47
